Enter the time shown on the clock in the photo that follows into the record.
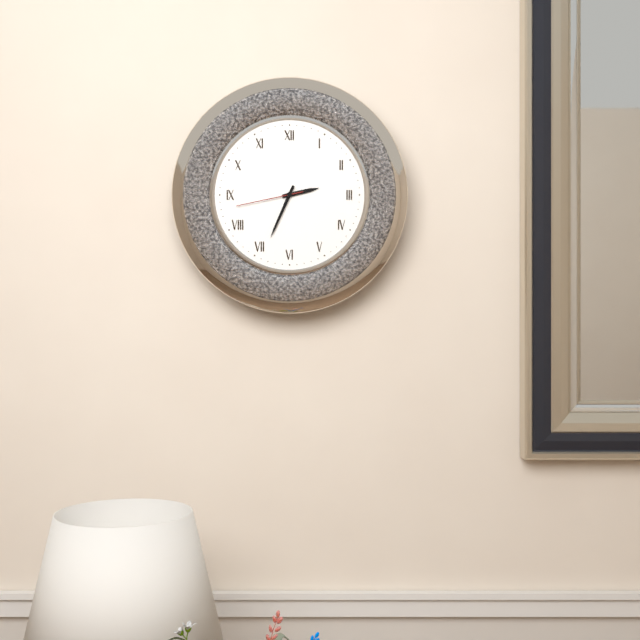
2:34:43
